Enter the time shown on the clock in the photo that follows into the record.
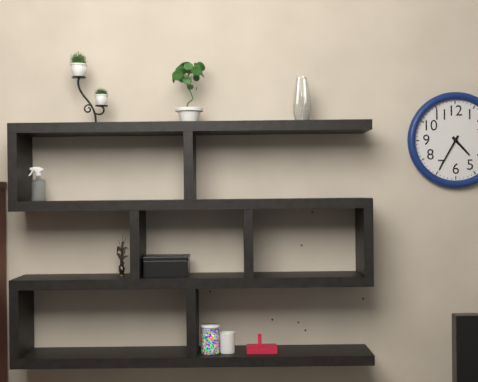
4:35
